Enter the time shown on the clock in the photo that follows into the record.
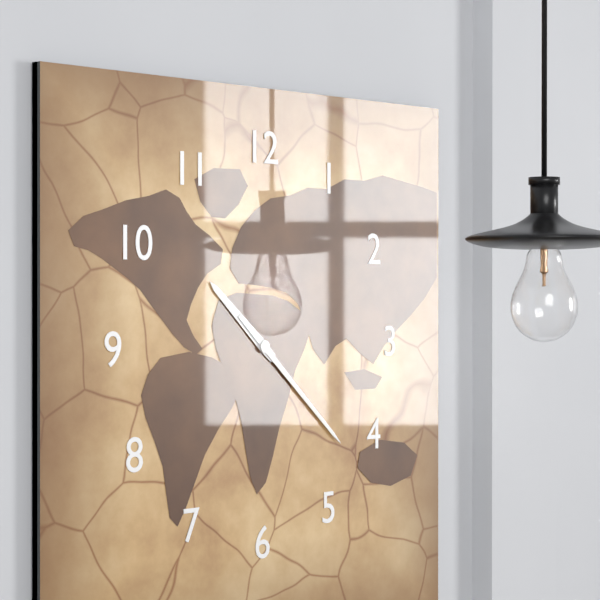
10:22
